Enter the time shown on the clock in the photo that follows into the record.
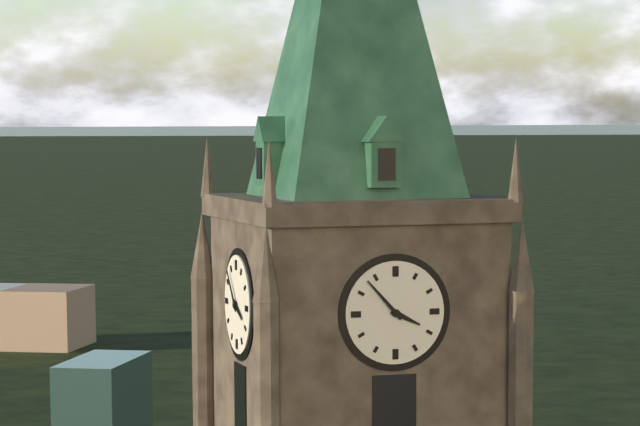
3:53
